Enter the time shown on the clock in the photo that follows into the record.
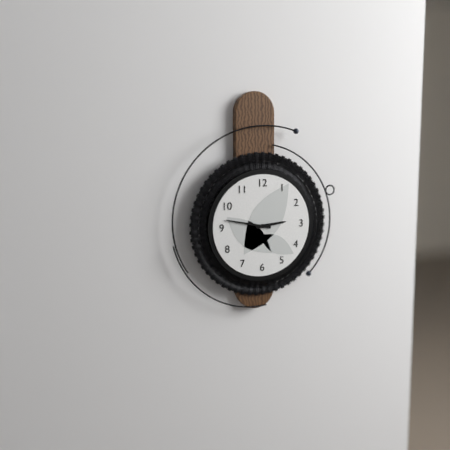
2:47
